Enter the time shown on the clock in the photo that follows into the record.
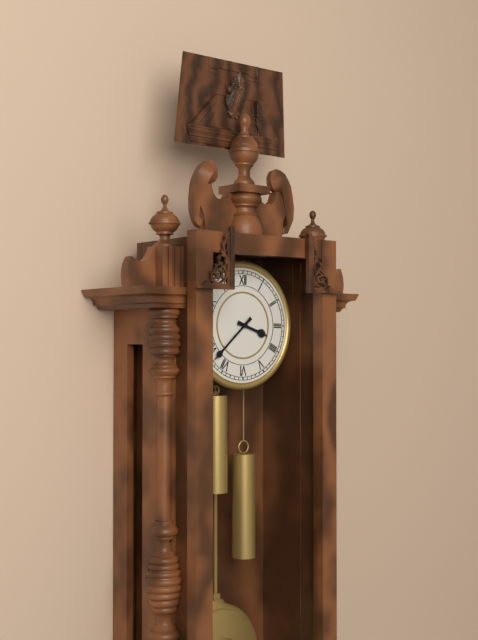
3:38
